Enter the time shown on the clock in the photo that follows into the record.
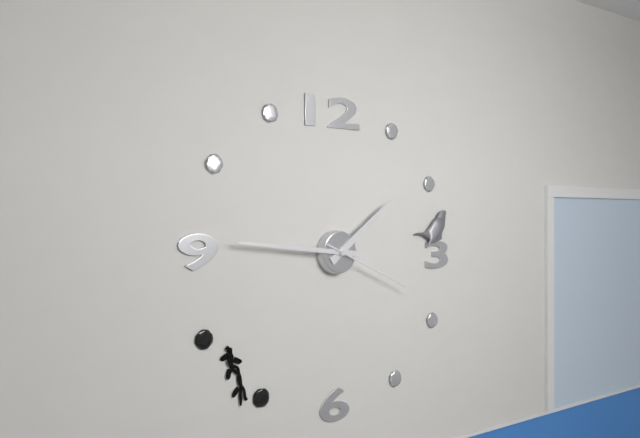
1:46:19
